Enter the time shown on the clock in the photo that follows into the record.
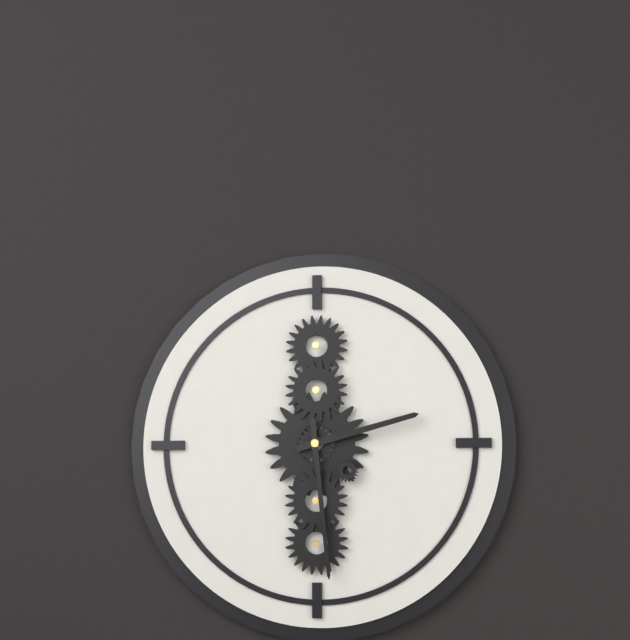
2:29
